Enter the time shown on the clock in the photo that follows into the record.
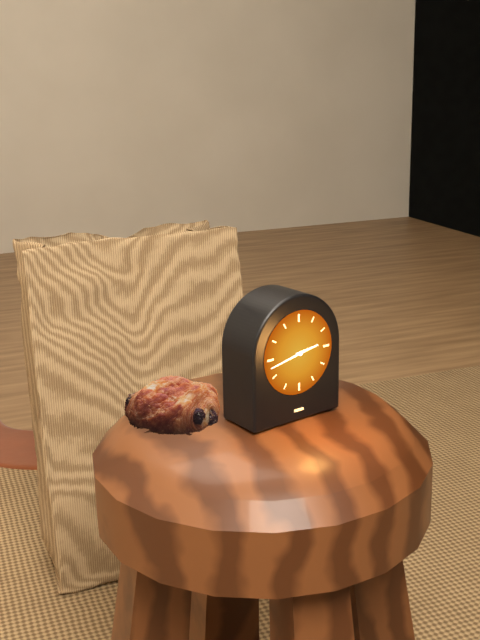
2:43
